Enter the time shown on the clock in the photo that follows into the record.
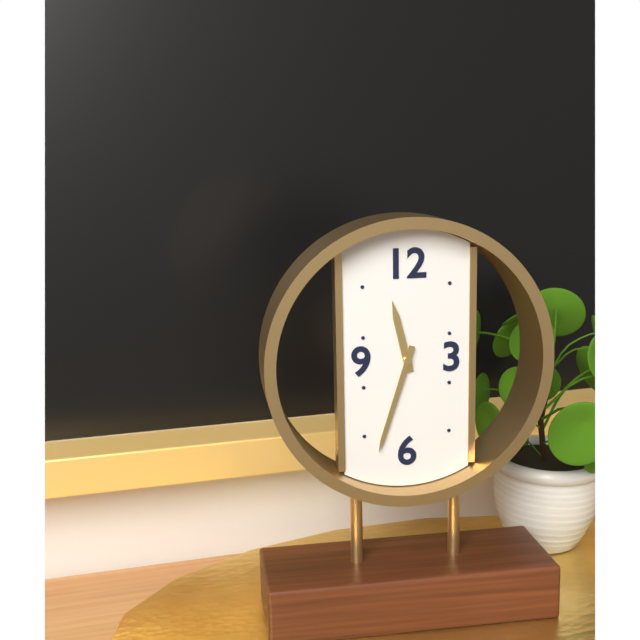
11:33
